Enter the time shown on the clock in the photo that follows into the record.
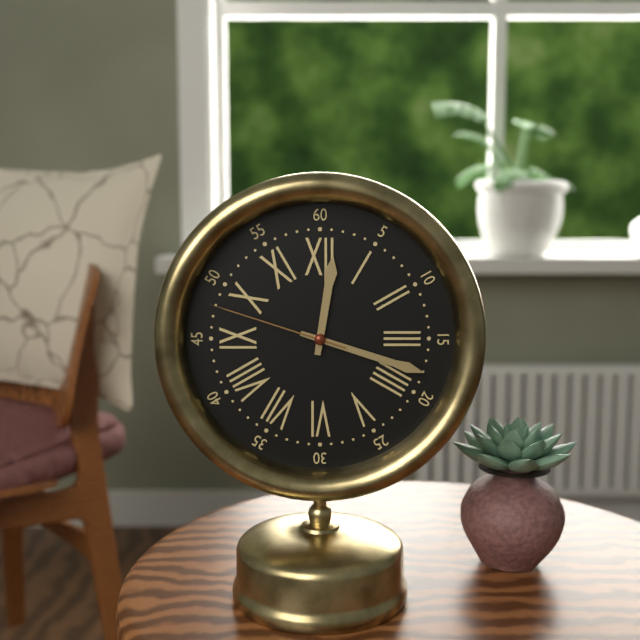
12:18:48
